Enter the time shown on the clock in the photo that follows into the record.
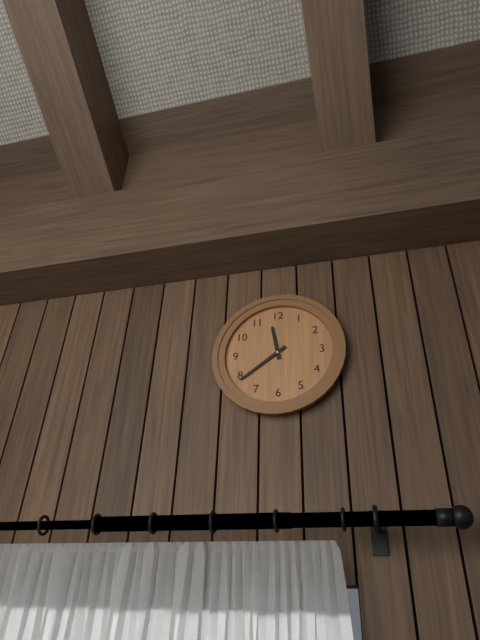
11:39
